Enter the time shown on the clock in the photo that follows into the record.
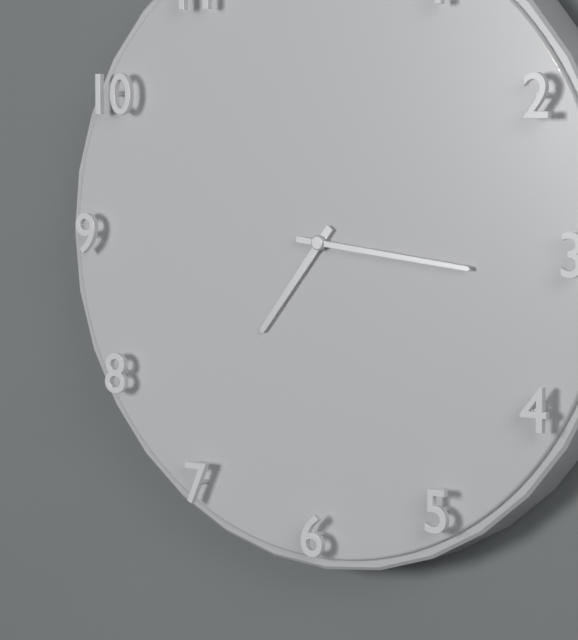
7:16
